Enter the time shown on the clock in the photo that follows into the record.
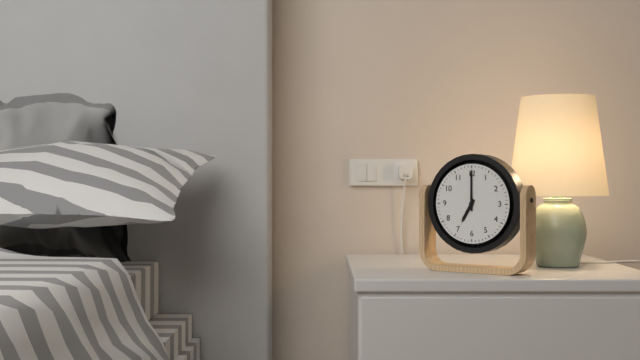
7:00
